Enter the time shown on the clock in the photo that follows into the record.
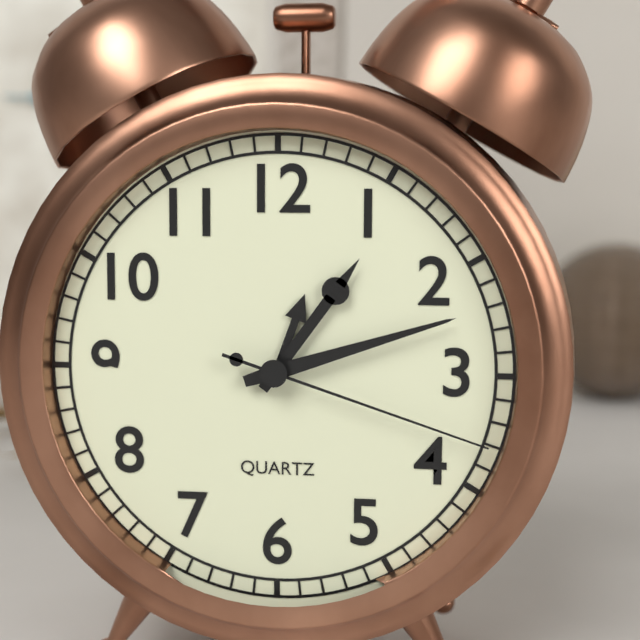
1:12:18
